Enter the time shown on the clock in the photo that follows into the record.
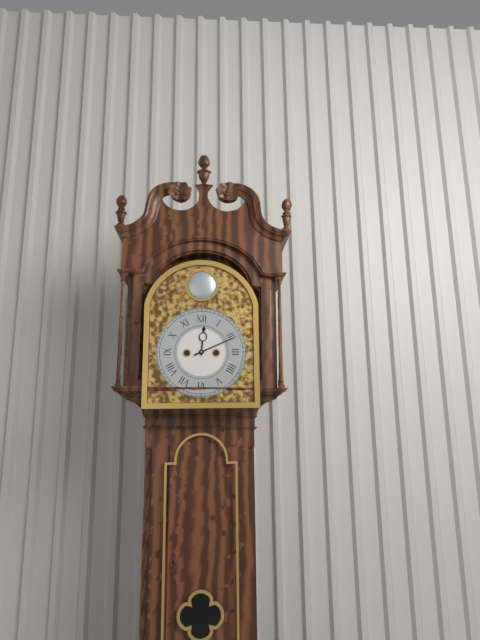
12:11
